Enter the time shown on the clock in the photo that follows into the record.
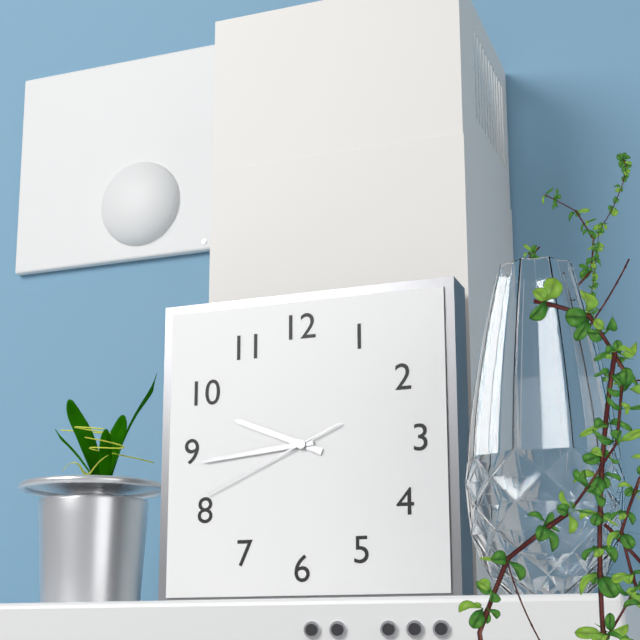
9:44:41
